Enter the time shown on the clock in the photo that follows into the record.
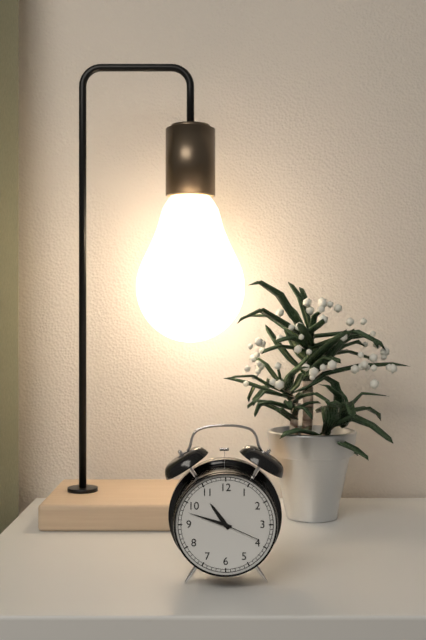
10:48
